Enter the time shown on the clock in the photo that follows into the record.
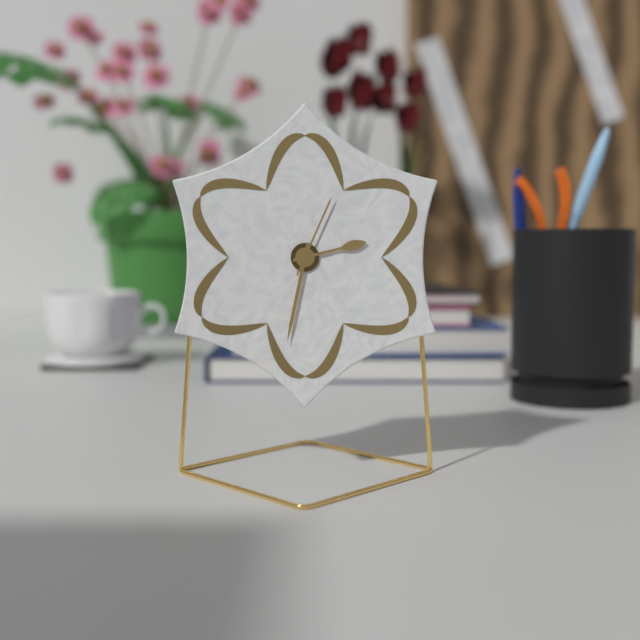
2:32:04
